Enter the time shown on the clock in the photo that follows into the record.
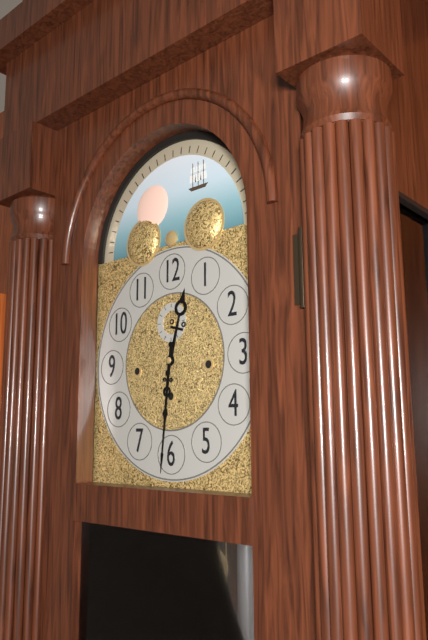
12:31
